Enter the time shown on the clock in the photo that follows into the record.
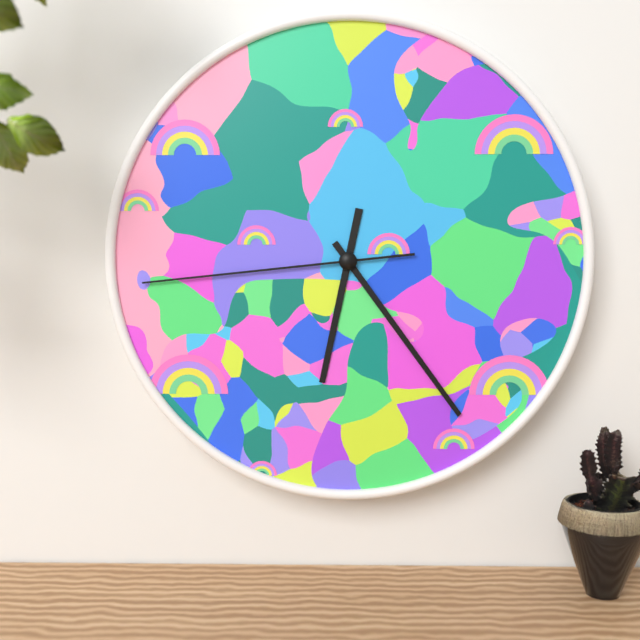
6:24:44
